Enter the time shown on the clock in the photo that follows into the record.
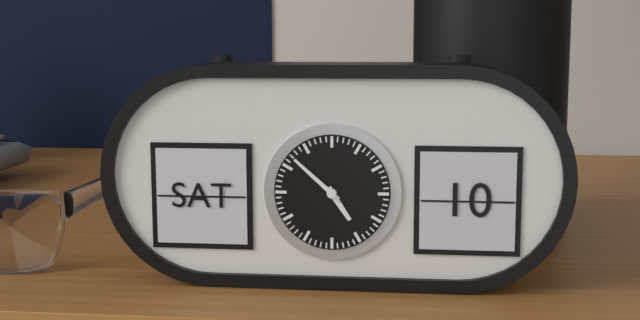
4:52
